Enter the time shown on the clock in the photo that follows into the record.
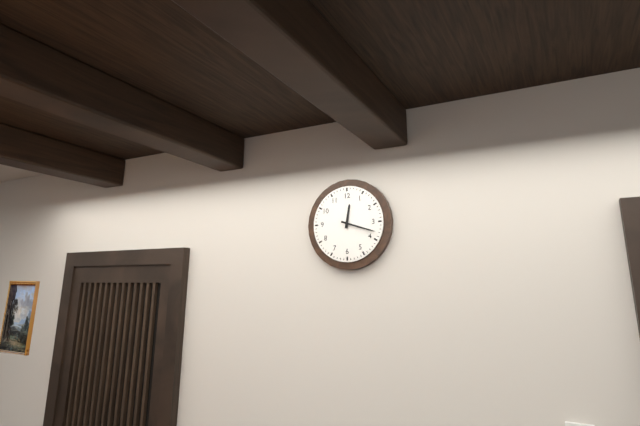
12:18
